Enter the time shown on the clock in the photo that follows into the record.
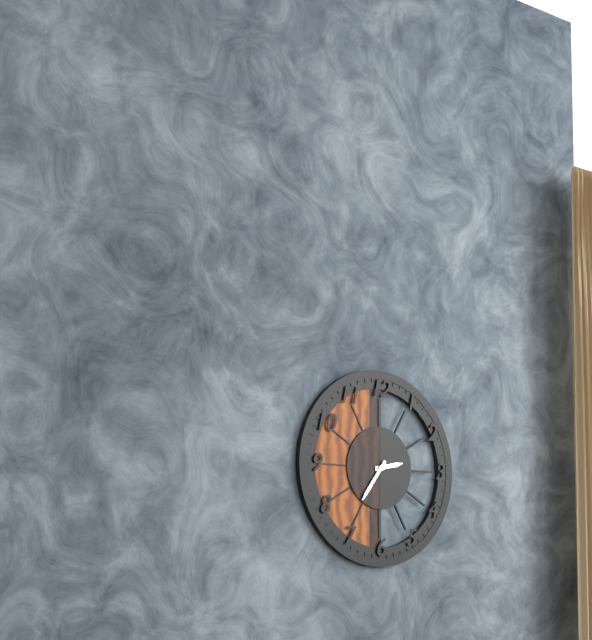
2:36
